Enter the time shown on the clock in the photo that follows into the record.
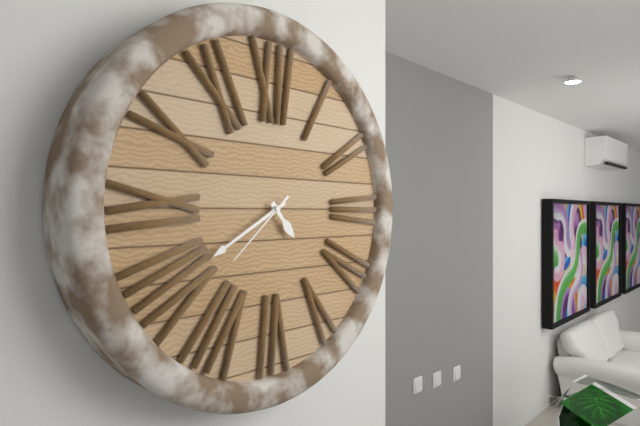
4:40:38
